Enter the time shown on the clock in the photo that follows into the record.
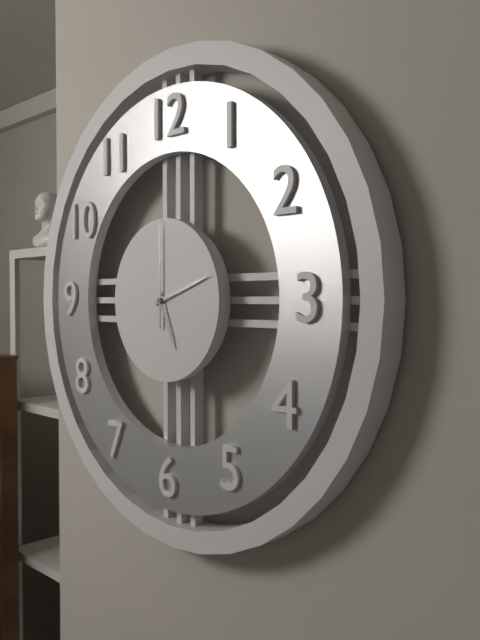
5:12:00
